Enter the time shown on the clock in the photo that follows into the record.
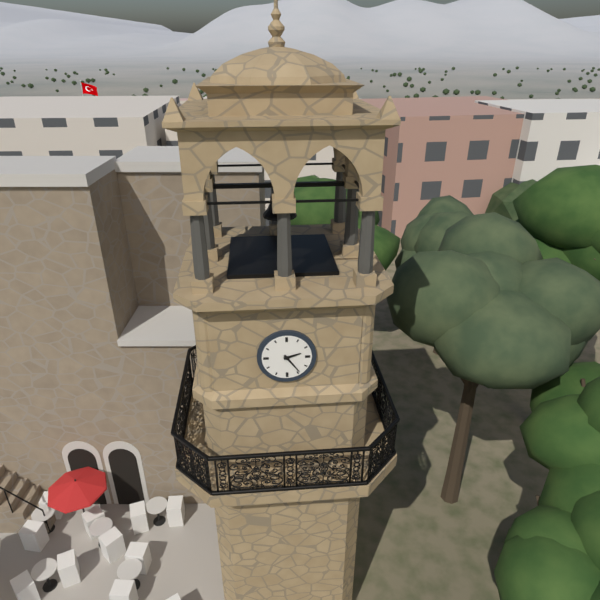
2:24
